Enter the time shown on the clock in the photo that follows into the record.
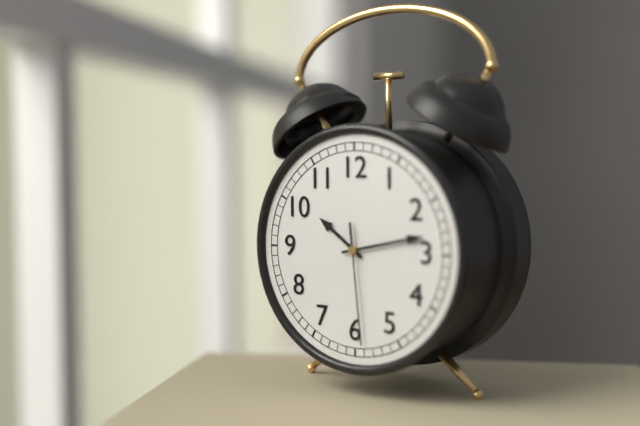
10:13:29
